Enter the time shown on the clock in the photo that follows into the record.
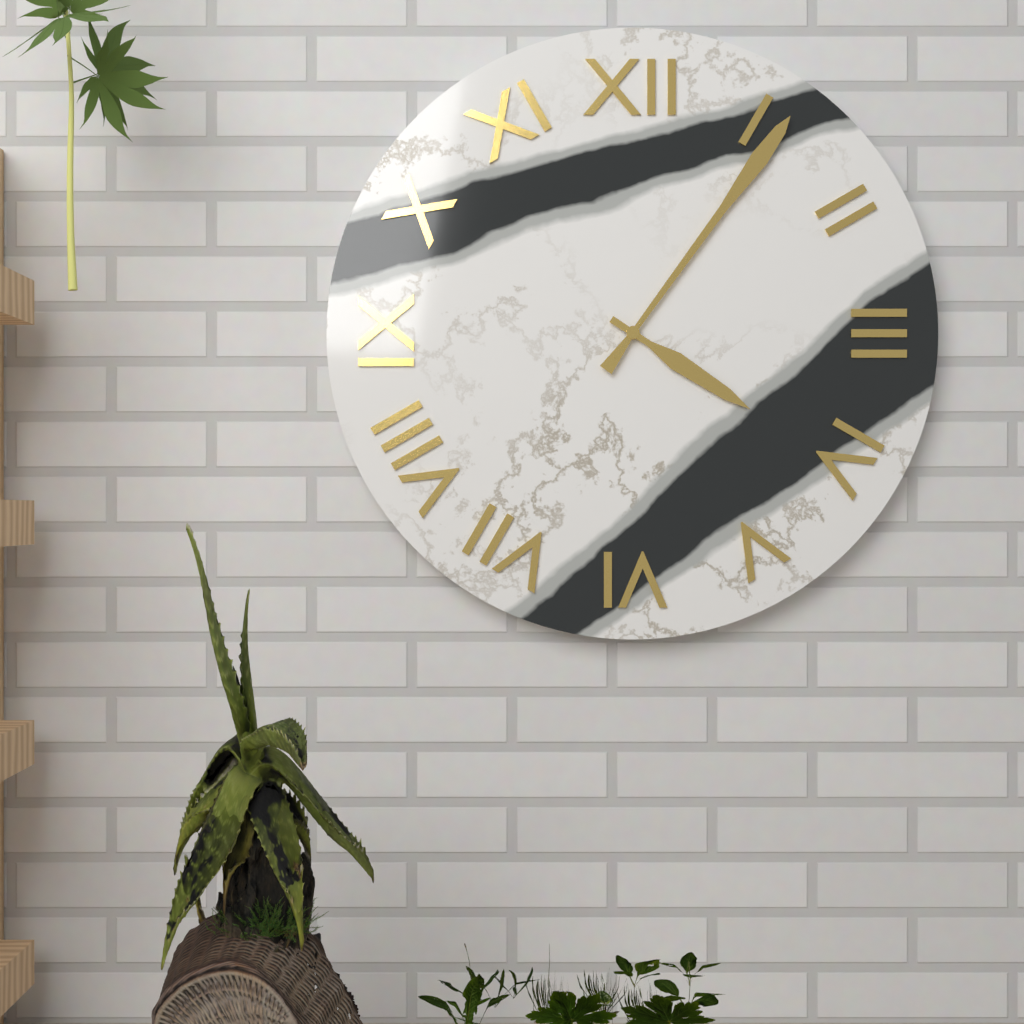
4:06:06
